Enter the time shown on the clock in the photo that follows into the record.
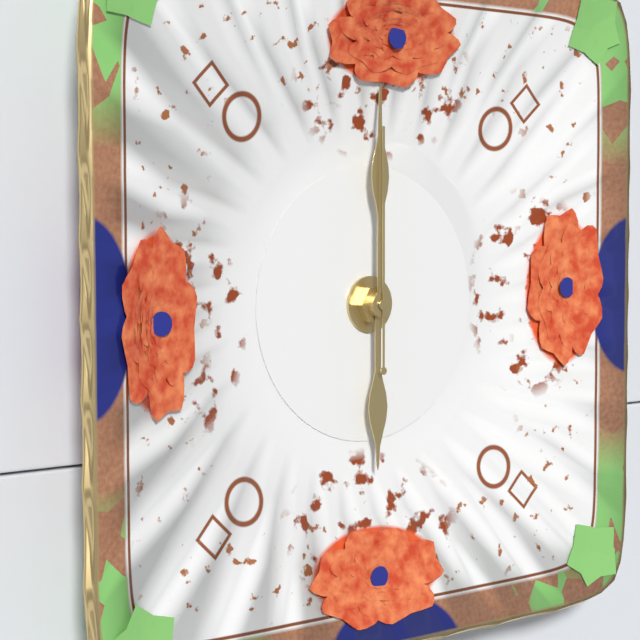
6:00:00
